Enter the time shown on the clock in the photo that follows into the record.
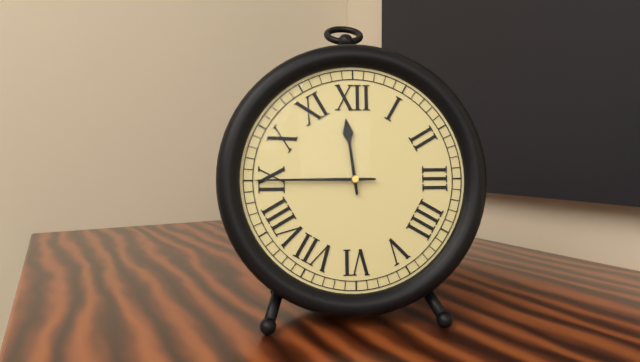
11:45
